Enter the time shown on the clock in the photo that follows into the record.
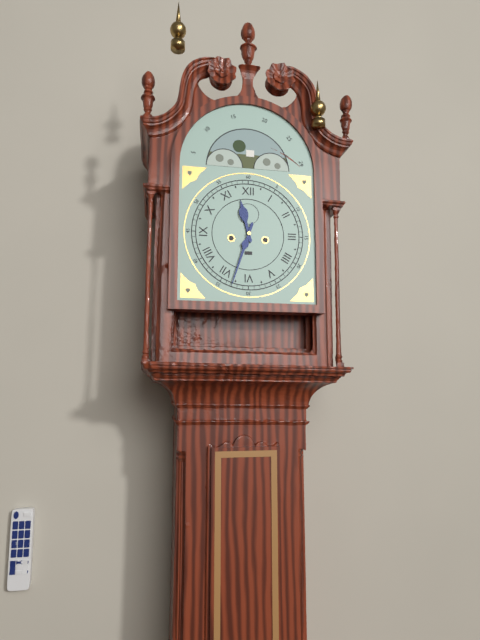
11:33
